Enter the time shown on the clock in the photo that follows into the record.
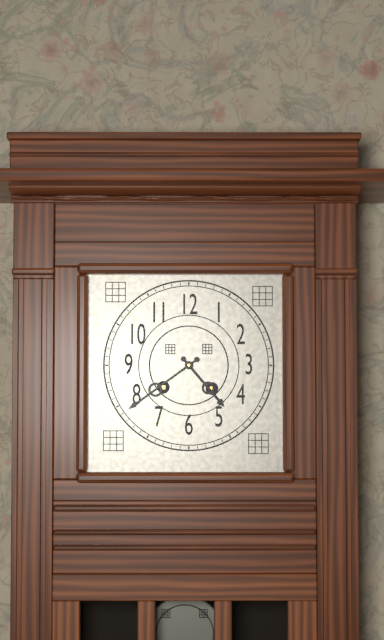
4:39
